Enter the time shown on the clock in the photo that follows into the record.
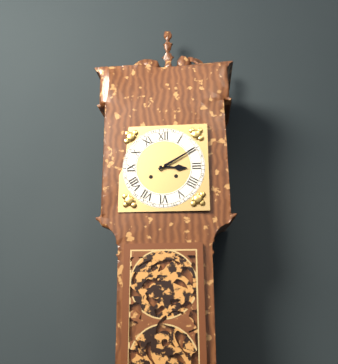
3:10
